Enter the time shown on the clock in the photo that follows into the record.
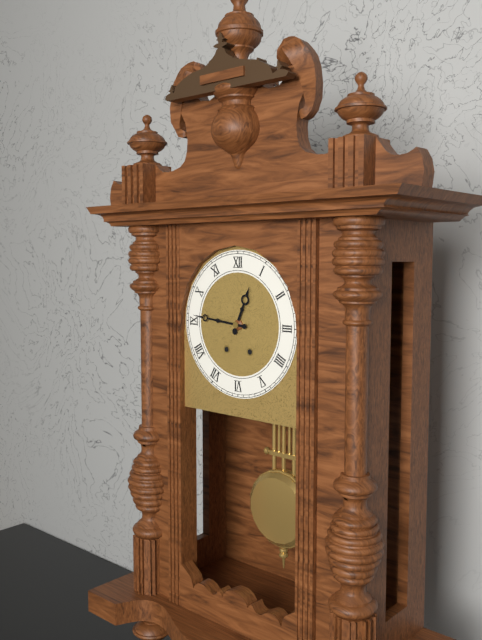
12:46
